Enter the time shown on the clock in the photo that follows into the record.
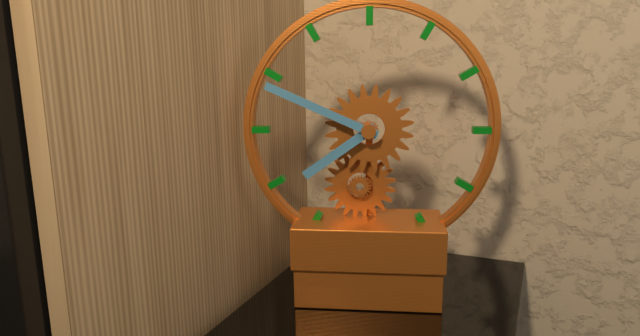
7:49
